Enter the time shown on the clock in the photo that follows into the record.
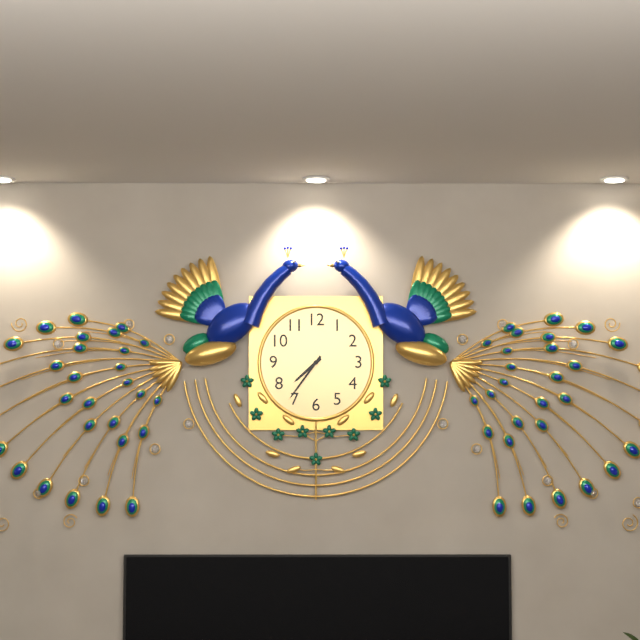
7:36
